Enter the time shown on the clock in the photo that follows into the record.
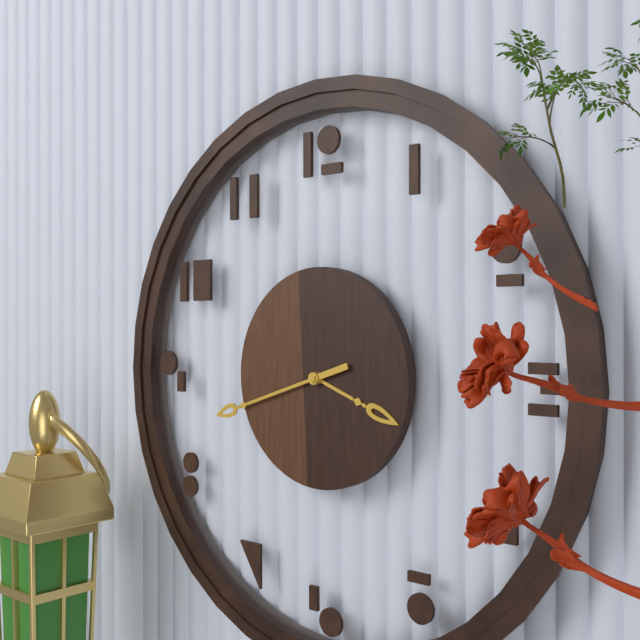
3:42
